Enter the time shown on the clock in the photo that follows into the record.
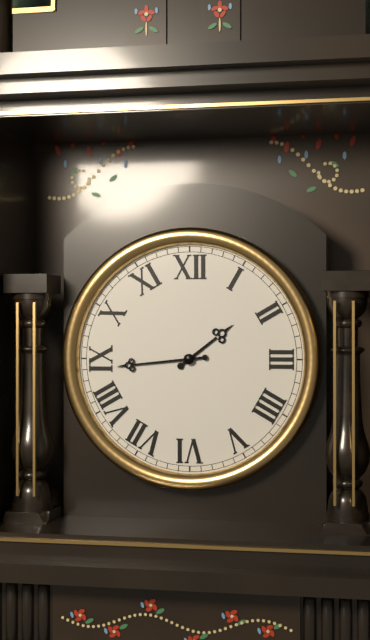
1:44
